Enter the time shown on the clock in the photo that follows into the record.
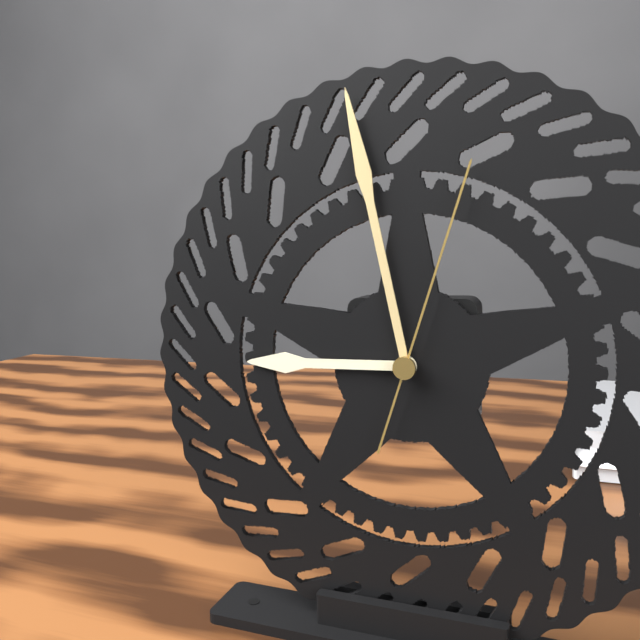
8:58:03
